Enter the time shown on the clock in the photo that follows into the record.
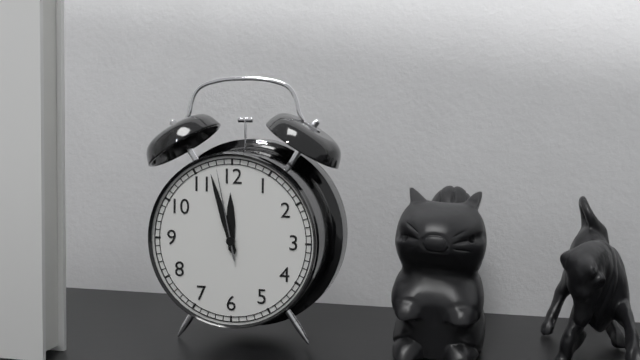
11:57:58
